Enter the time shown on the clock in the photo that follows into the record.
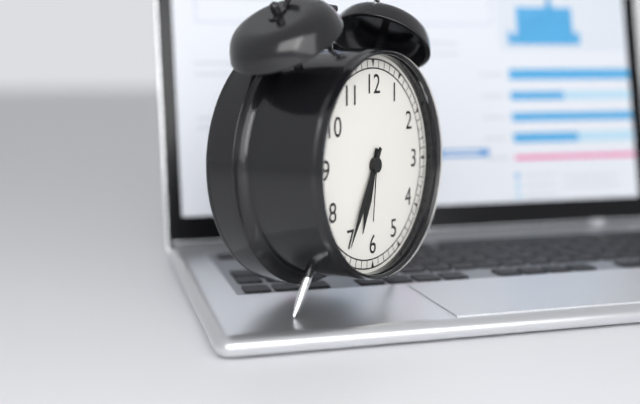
6:35:31
